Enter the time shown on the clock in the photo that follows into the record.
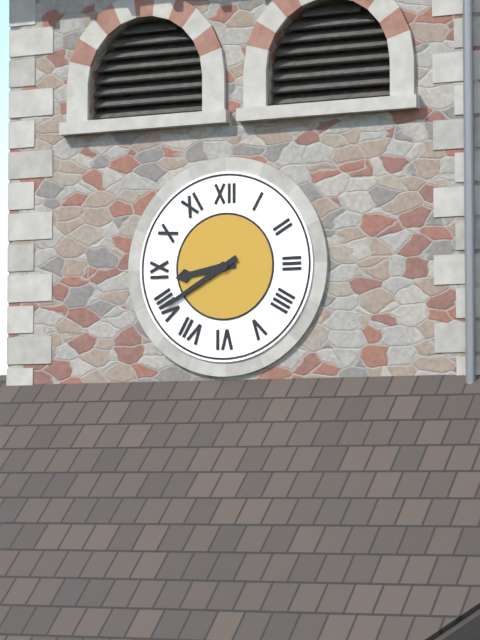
8:40
